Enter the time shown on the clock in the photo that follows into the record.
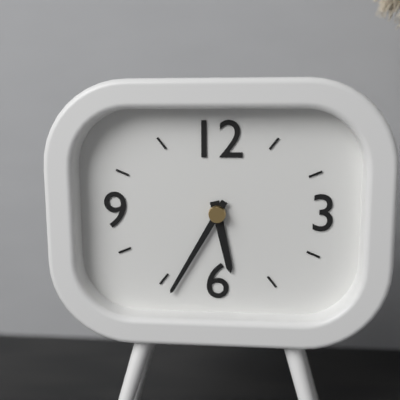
5:35
